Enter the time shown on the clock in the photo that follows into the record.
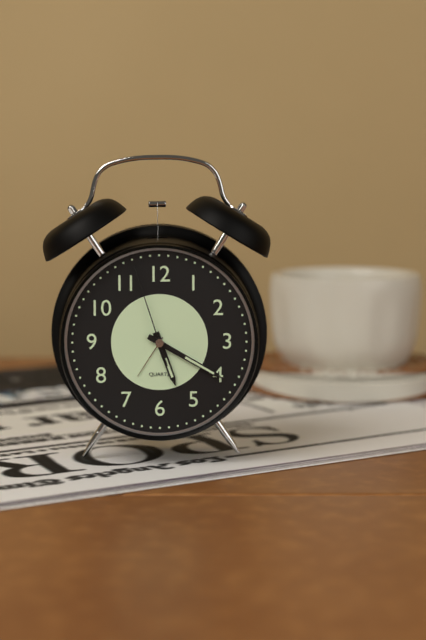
5:20:57
